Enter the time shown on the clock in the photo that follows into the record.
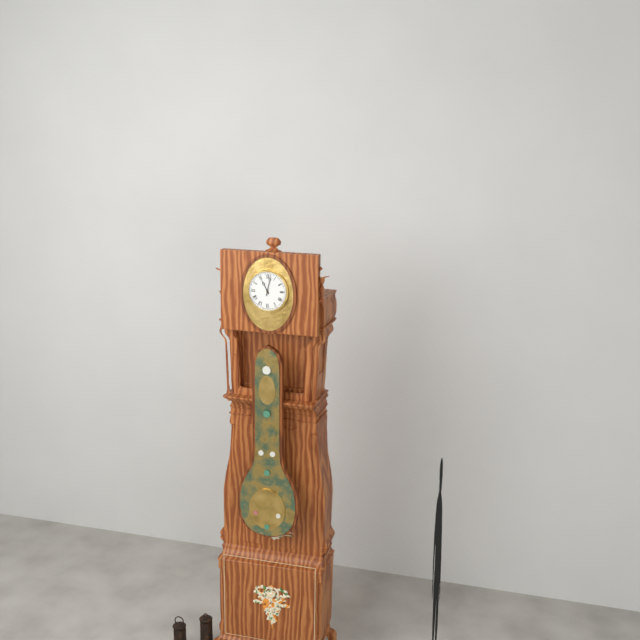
11:02
